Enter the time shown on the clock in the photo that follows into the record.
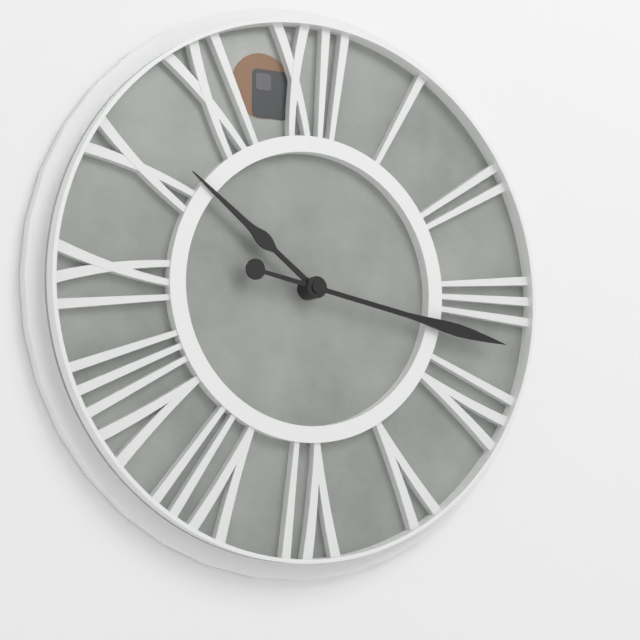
10:17
